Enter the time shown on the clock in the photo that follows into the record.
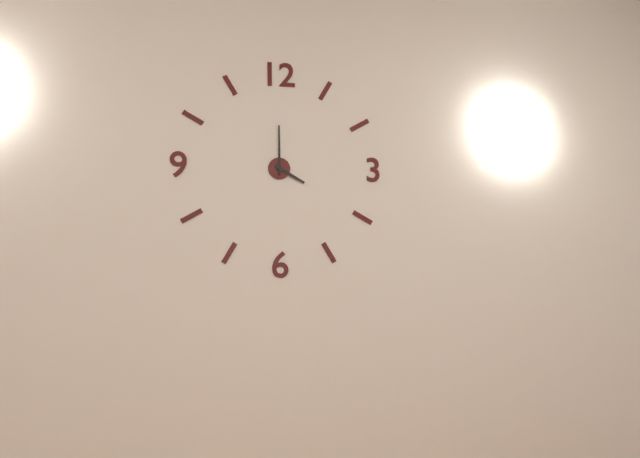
4:00
